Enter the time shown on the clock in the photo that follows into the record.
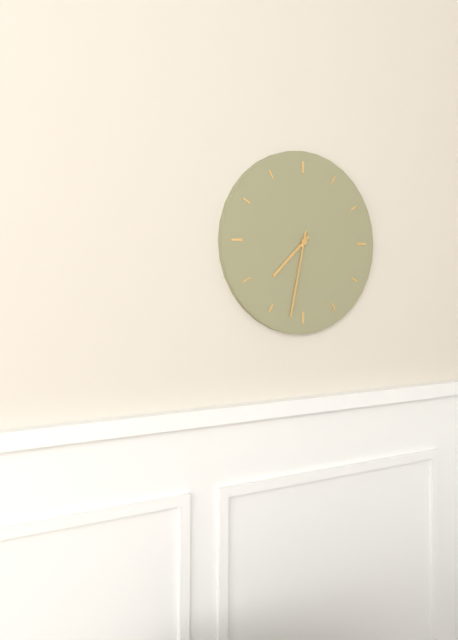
7:32
